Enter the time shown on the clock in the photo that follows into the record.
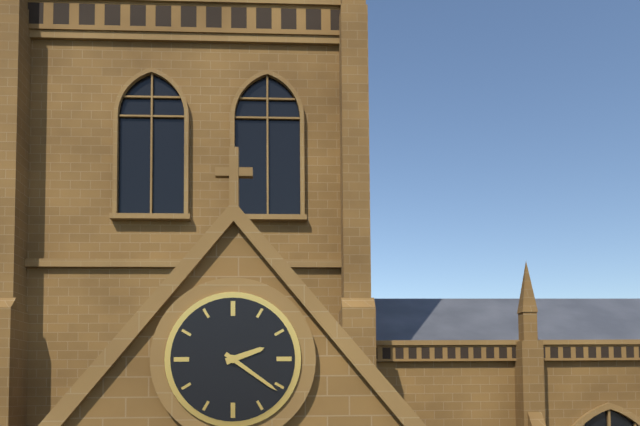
2:21
